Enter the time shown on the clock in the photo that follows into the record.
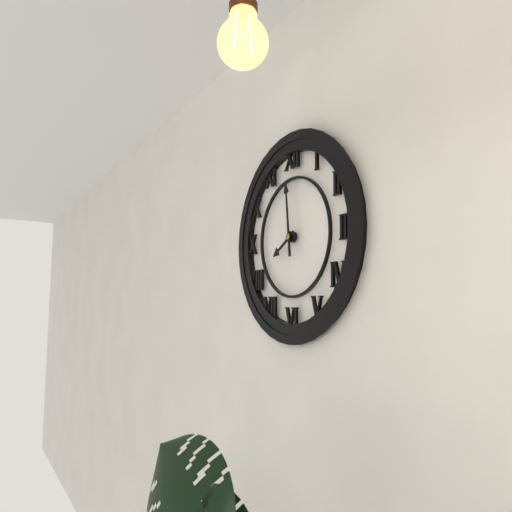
7:59
